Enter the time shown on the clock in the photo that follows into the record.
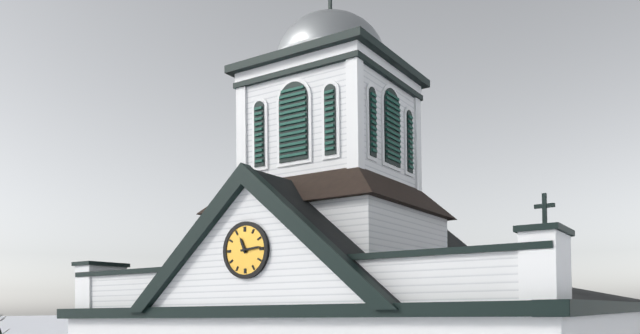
11:14
